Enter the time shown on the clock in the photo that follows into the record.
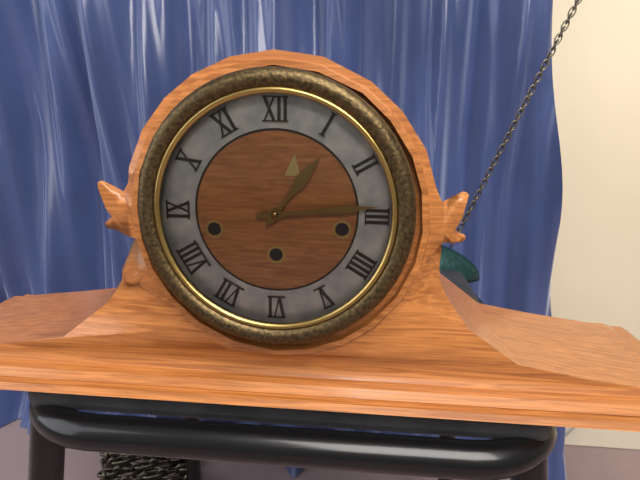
1:14
